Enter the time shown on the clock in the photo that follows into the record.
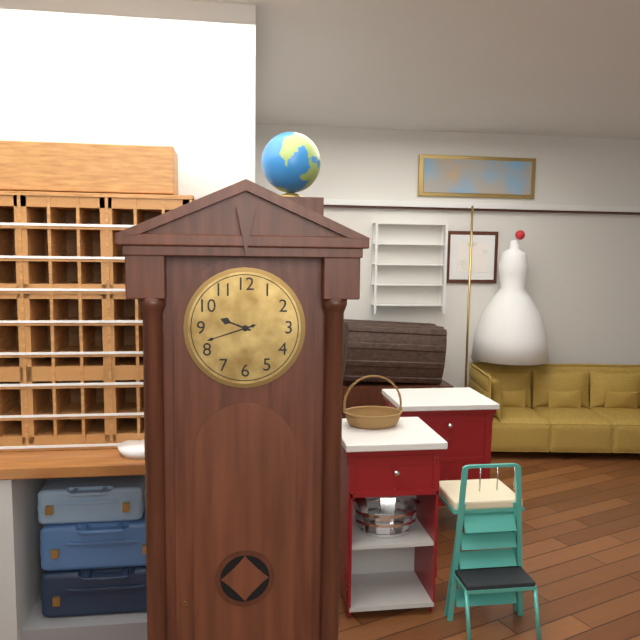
9:42
